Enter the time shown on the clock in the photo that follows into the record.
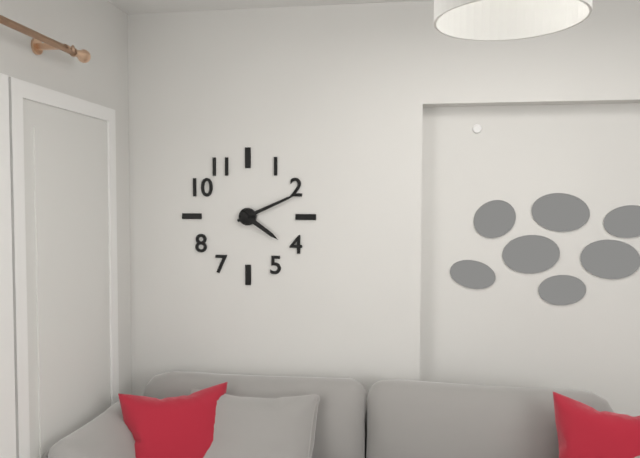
4:11
